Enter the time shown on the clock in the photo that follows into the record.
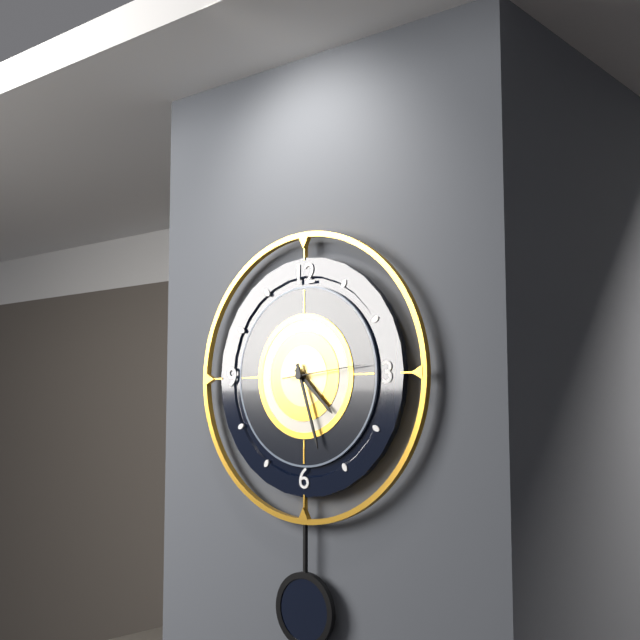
4:27:14
